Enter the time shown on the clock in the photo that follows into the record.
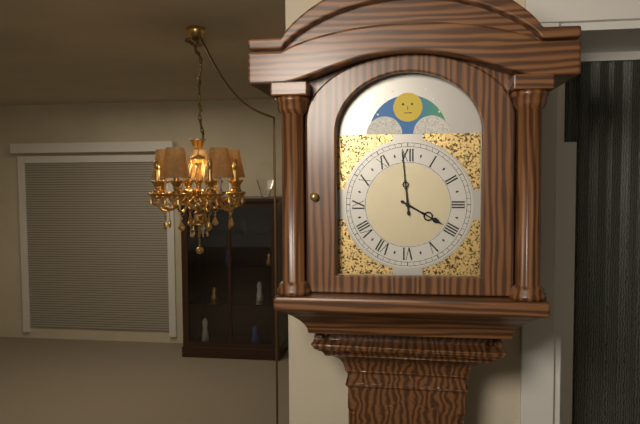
3:59
